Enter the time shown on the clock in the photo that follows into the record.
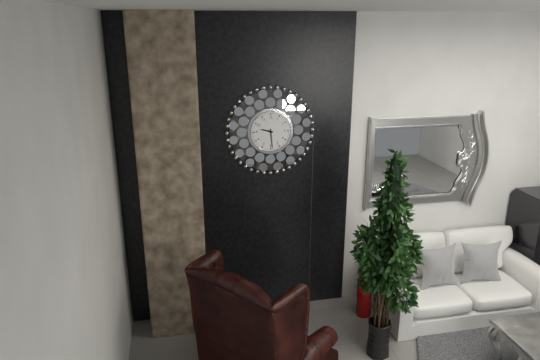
9:29
